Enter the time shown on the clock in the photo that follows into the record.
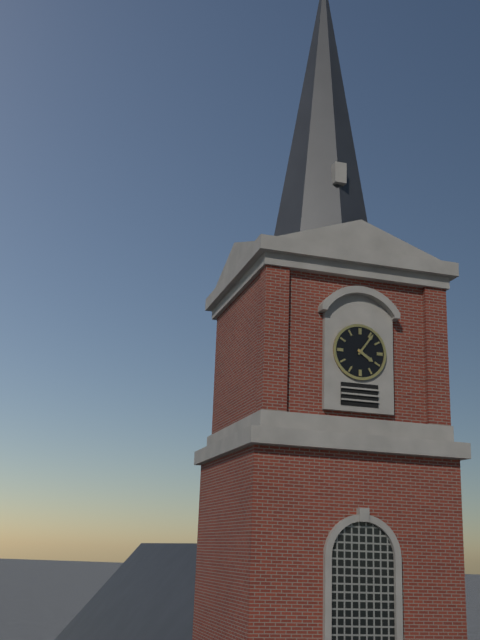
4:06
